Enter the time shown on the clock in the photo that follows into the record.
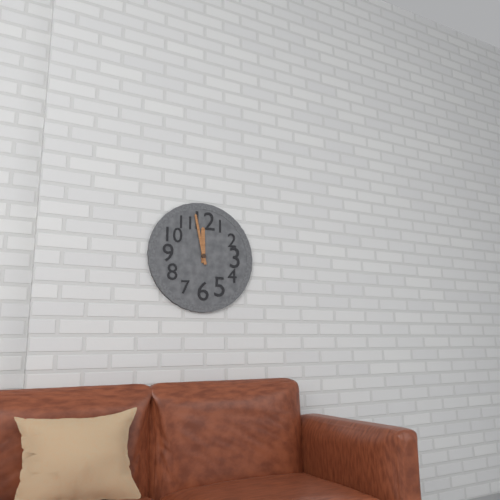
11:58
